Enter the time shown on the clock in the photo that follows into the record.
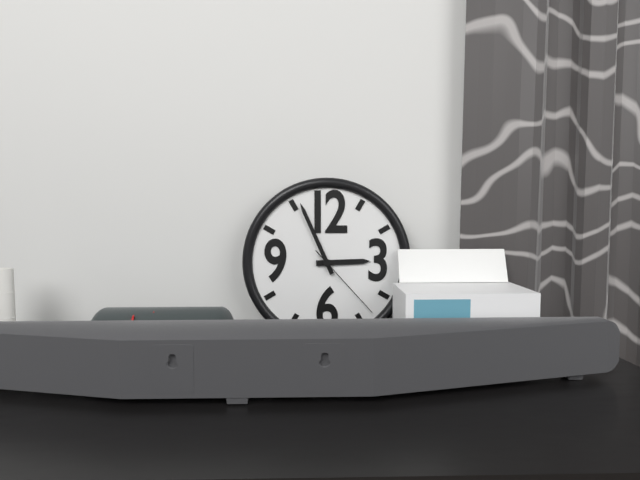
2:56:23
